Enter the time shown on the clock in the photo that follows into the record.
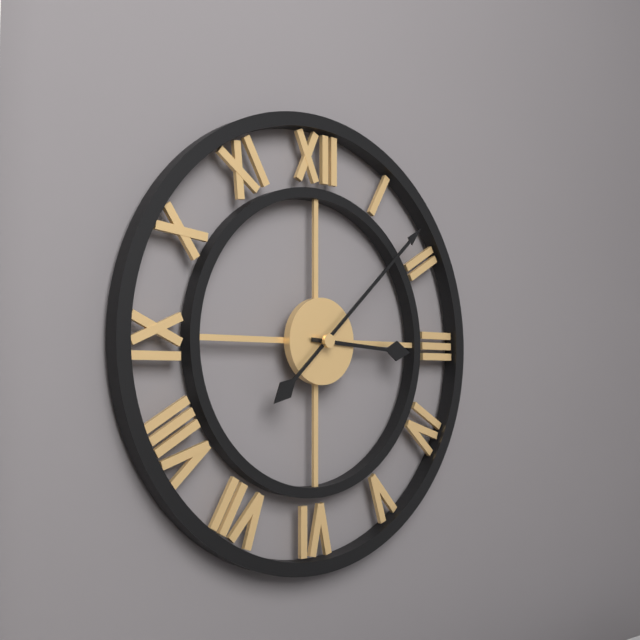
3:08
